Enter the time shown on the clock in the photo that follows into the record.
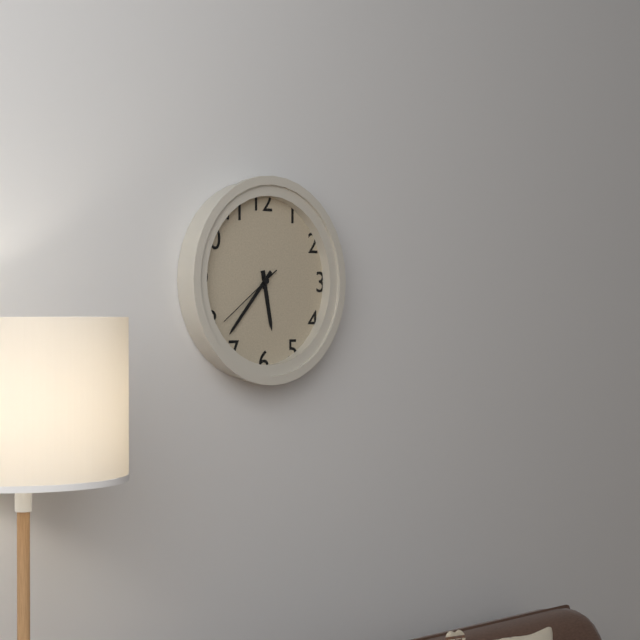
5:37:39
